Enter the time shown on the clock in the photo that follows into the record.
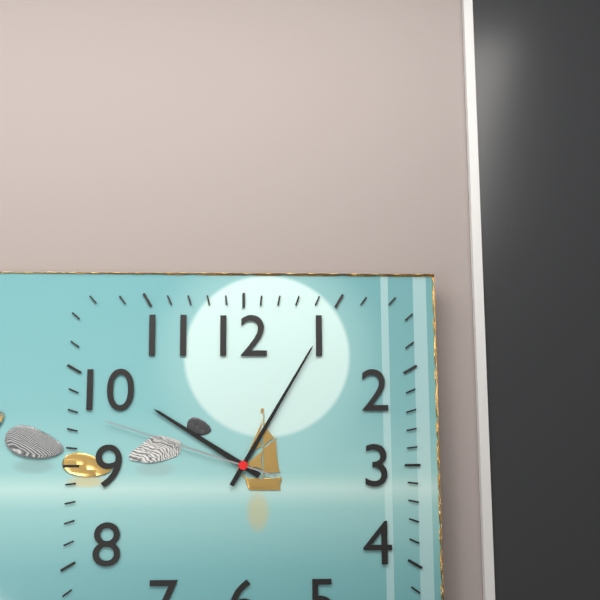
10:05:48
